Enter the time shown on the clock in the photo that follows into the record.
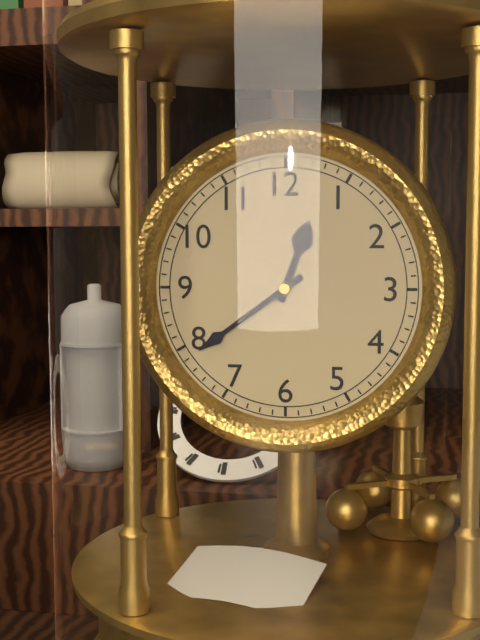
12:39
